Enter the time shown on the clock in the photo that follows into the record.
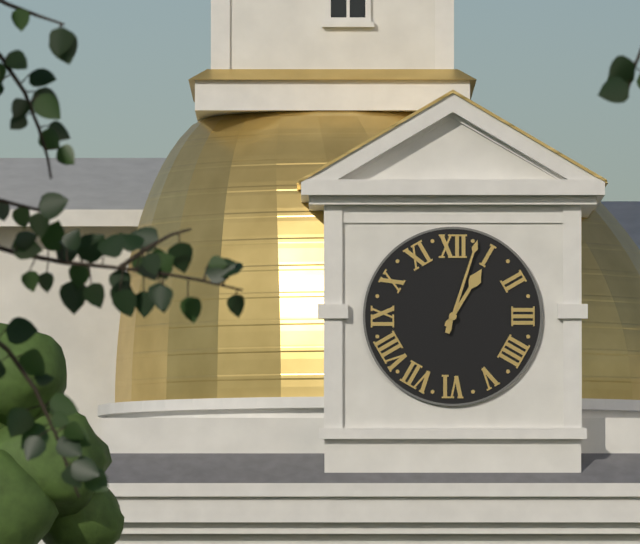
1:03
